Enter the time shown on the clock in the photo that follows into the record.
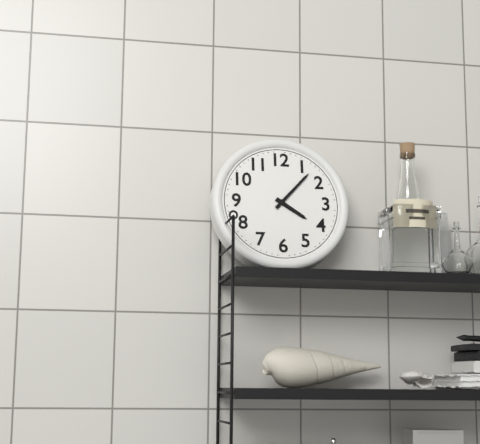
4:07
